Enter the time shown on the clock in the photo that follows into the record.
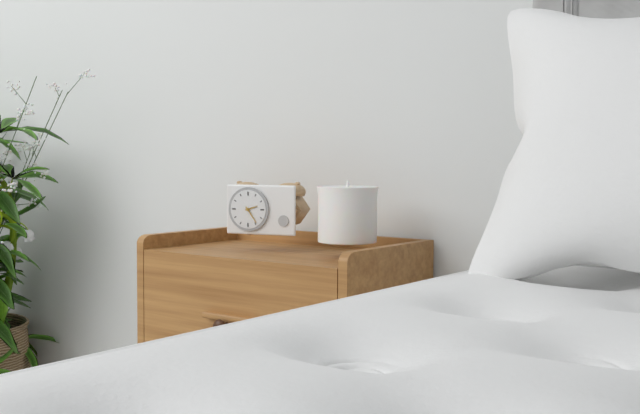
2:24
